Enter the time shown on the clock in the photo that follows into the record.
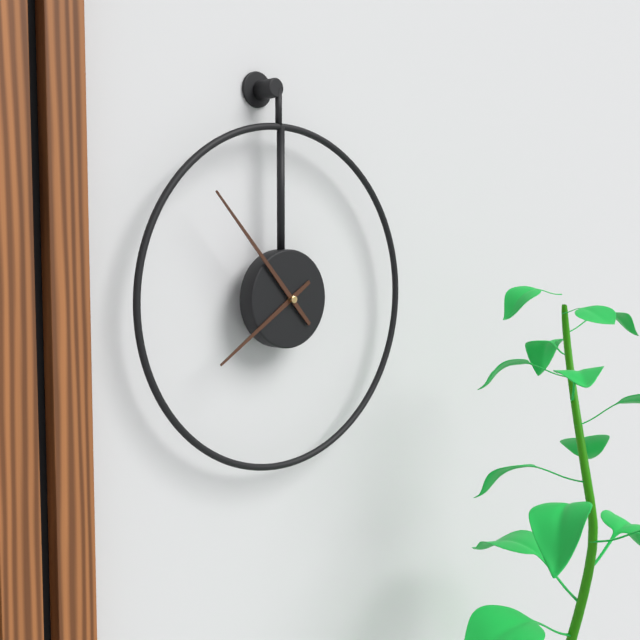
7:53
